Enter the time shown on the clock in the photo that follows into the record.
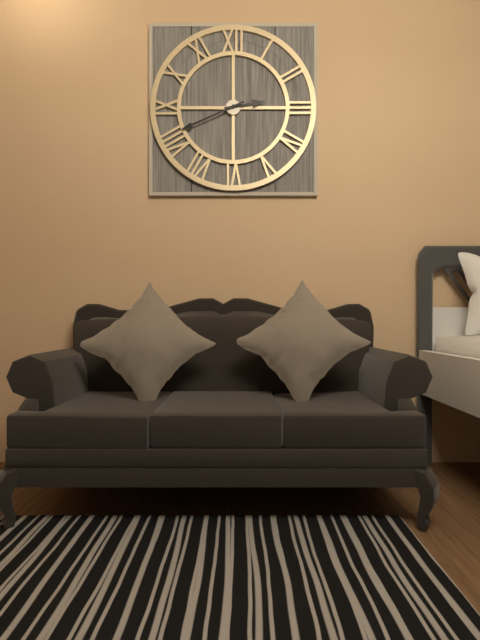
2:41
